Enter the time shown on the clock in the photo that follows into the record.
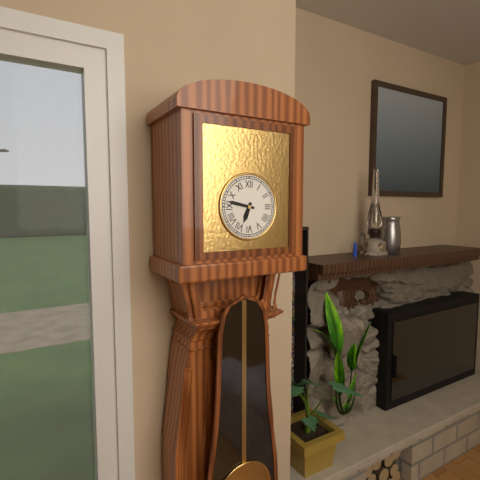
6:47
